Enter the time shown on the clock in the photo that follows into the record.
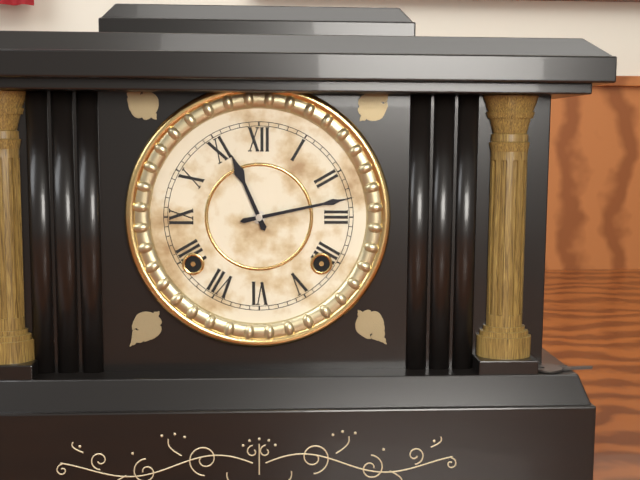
11:13
